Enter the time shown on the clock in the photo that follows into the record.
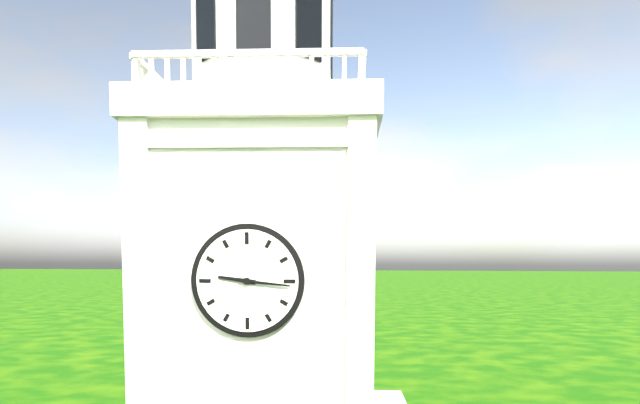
9:16
